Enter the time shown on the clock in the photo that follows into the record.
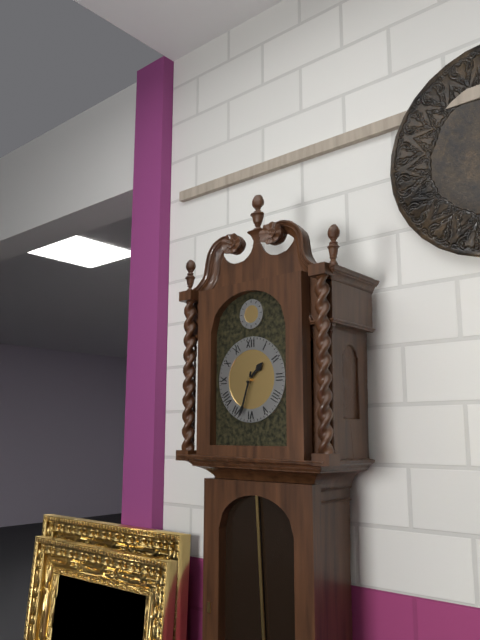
1:33
